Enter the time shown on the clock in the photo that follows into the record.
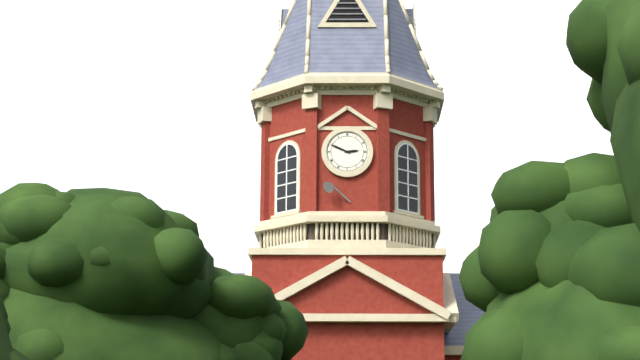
2:49
